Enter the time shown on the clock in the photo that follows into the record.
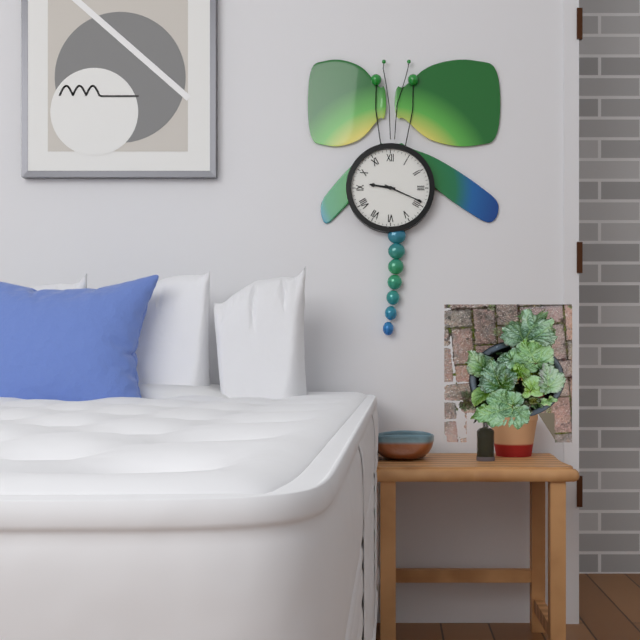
9:19
